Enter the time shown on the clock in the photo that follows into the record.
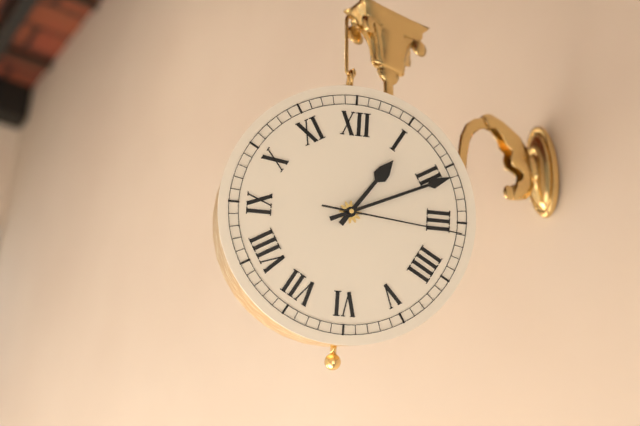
1:11:16
